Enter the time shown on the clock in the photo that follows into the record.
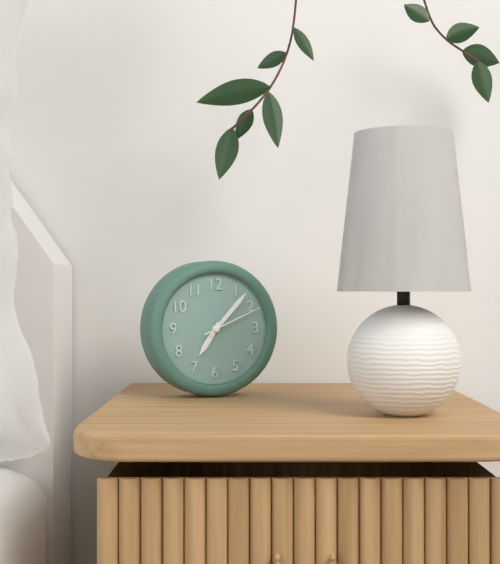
7:07:11
